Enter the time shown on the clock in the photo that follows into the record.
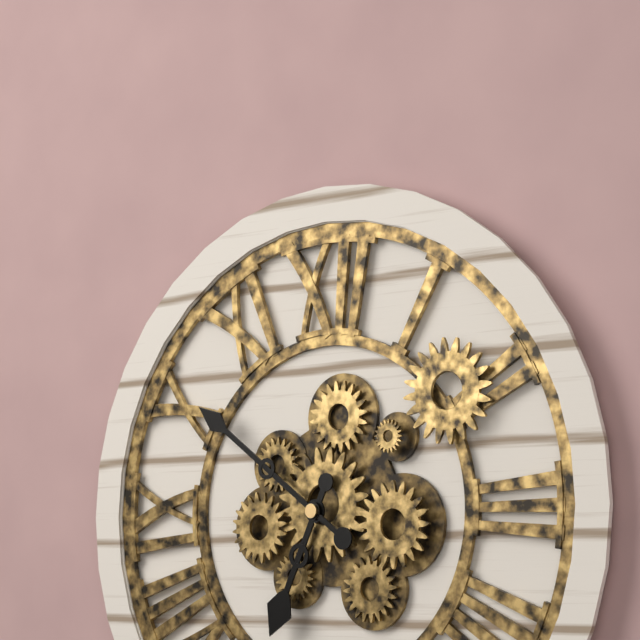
6:51
